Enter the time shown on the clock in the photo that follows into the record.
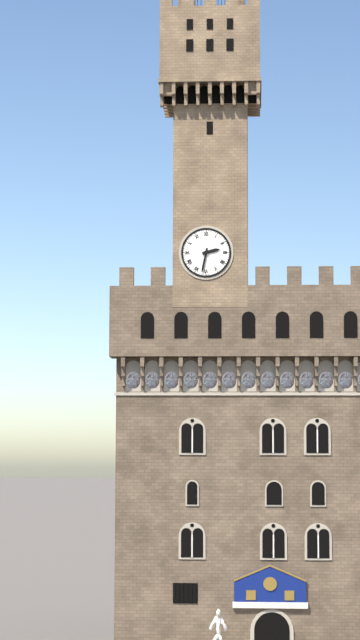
2:32
